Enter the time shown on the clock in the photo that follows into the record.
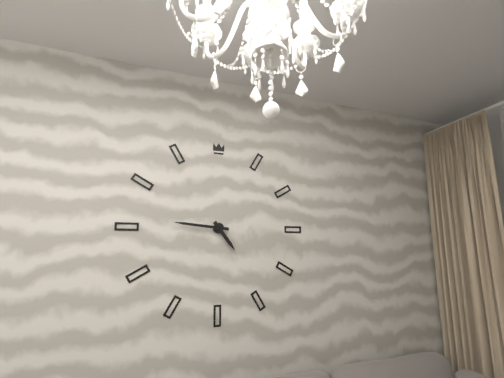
4:46
